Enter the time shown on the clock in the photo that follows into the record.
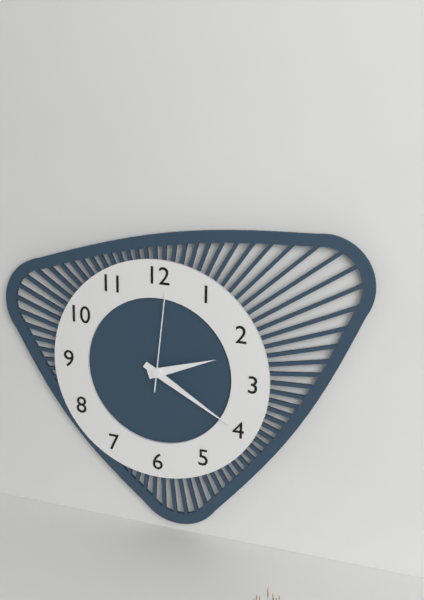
2:20:01
